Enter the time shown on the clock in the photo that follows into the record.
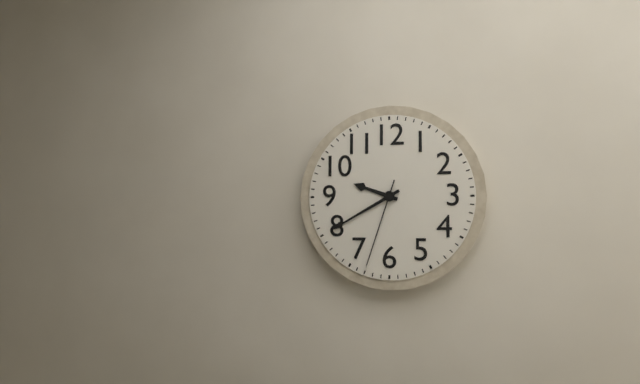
9:40:33
